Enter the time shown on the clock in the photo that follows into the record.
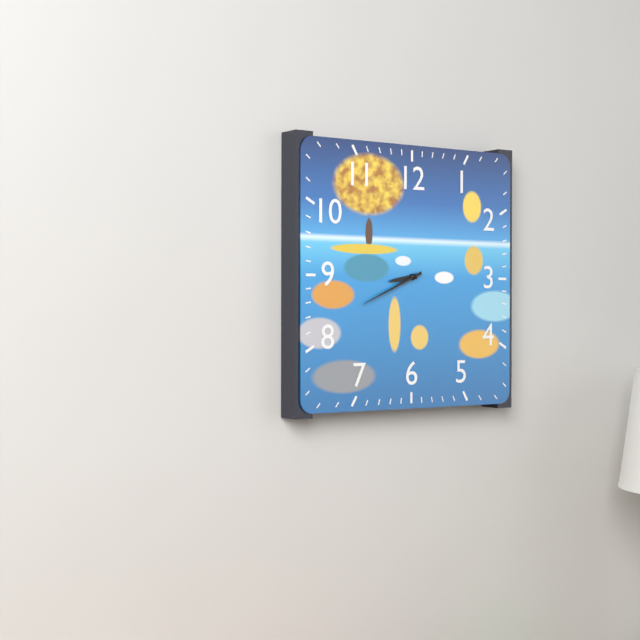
8:41
